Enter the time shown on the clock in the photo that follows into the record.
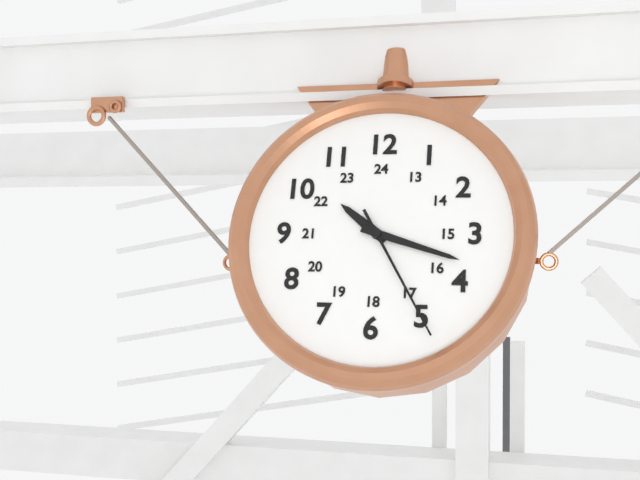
10:18:25
